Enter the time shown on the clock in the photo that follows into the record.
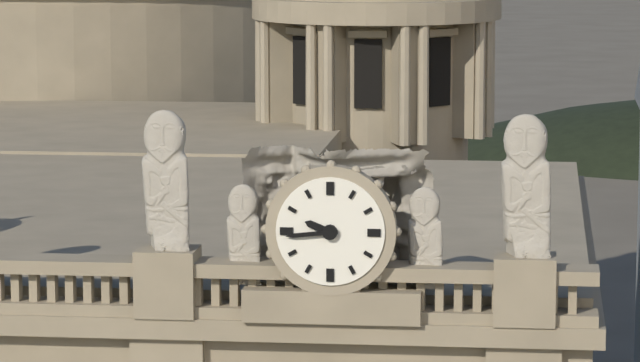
9:44
